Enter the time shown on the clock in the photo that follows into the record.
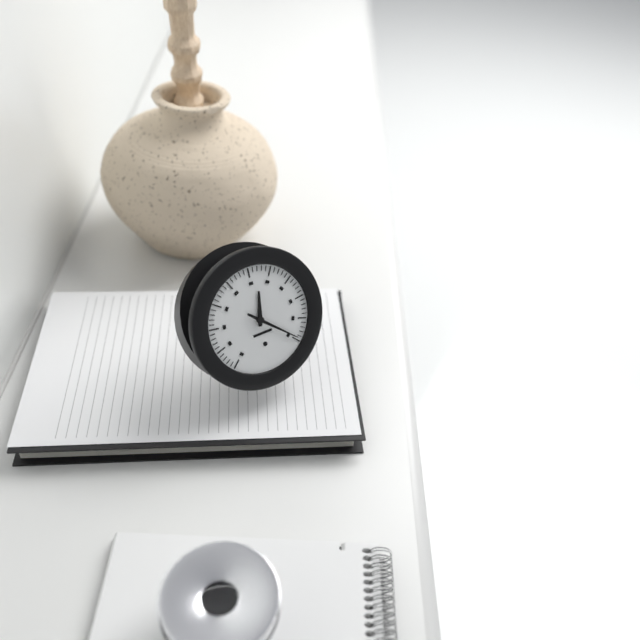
12:22
